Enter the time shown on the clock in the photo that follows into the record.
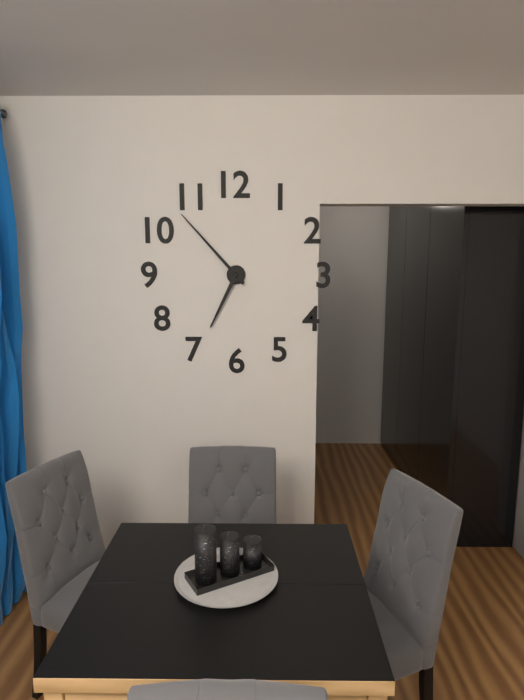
6:53
